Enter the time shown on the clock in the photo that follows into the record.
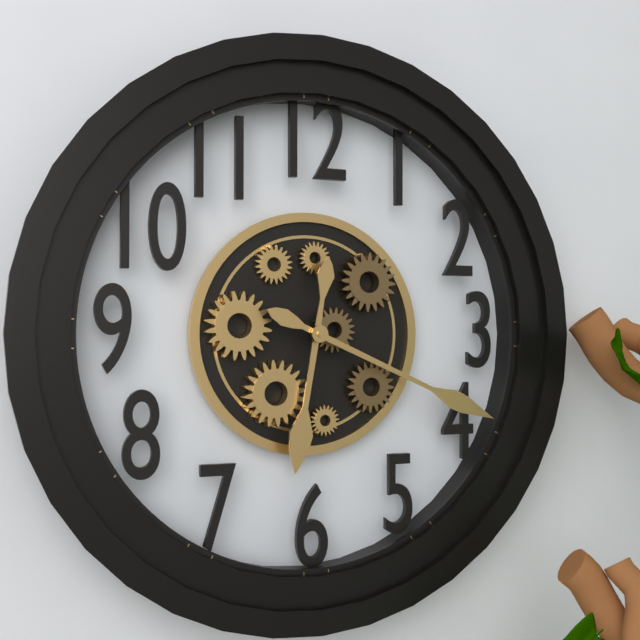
6:19
